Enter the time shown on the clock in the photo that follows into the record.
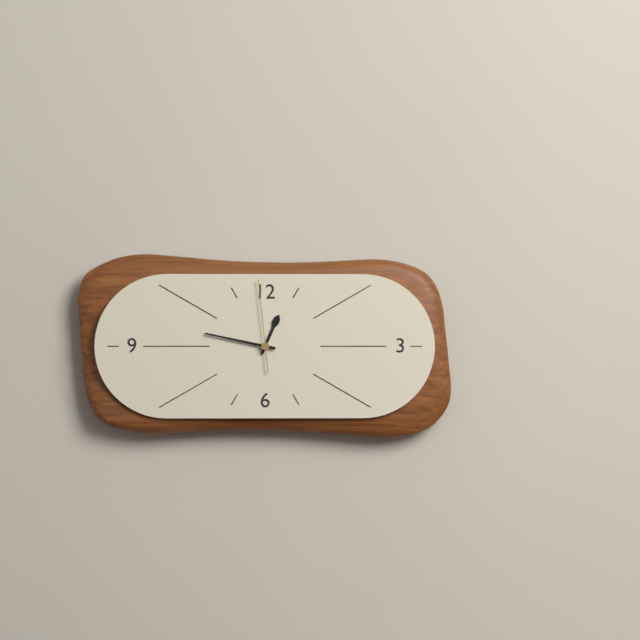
12:47:59
